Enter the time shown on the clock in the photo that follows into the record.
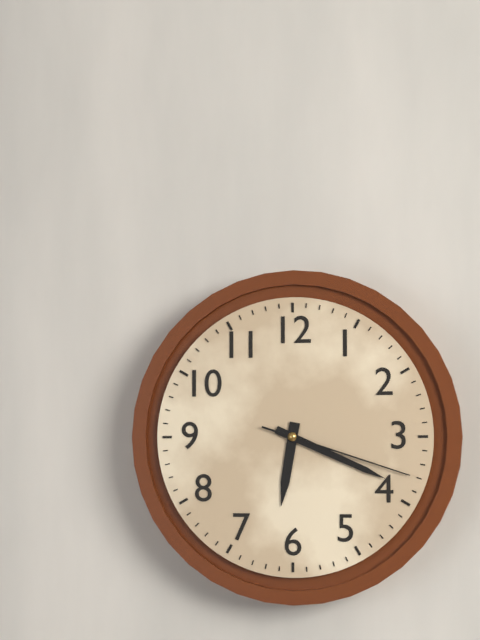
6:19:18
